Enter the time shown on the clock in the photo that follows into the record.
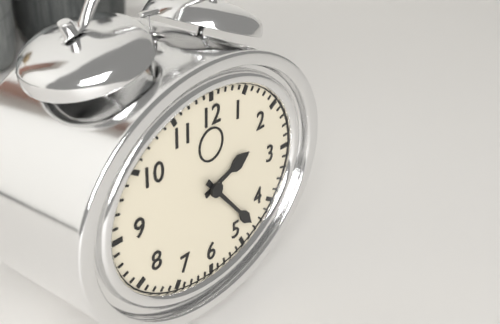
2:23
